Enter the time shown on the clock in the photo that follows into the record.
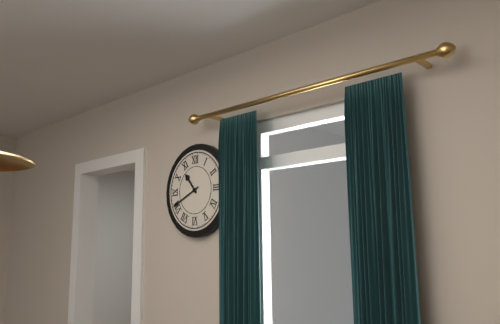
10:41
